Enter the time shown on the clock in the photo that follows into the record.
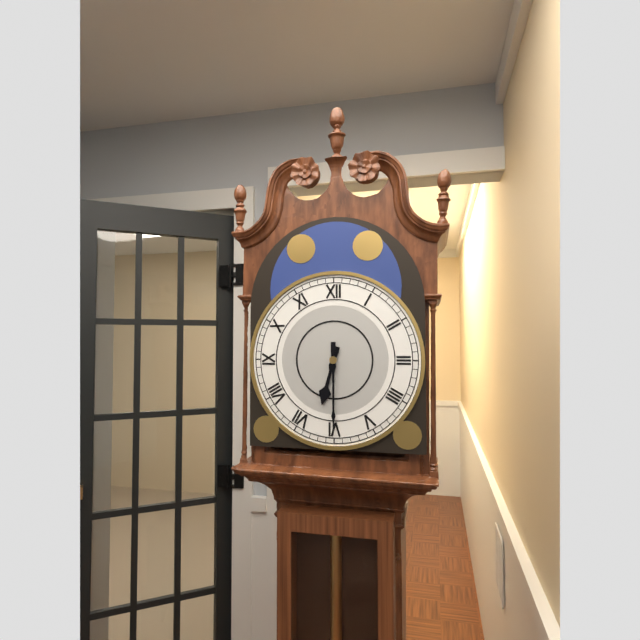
6:30
